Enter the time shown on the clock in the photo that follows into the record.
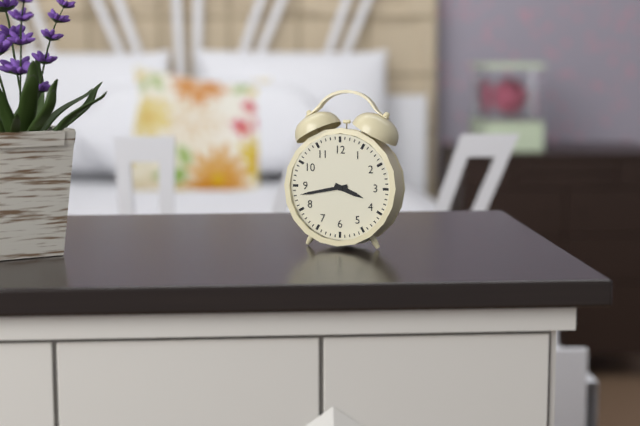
3:43
